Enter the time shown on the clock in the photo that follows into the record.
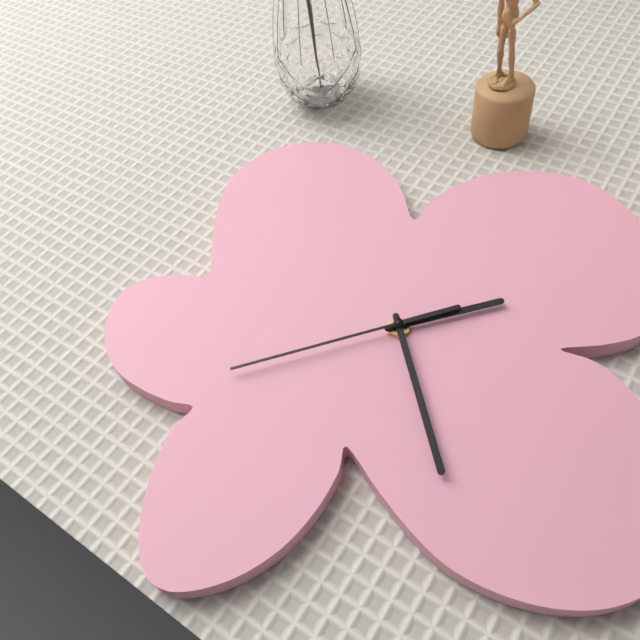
2:28:42
